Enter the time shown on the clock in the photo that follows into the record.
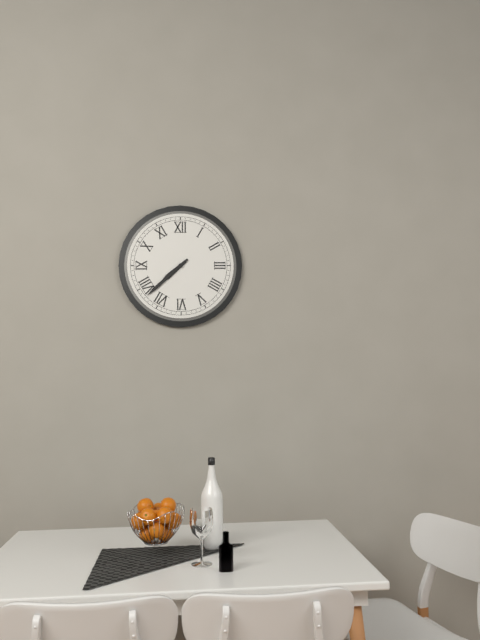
7:38
